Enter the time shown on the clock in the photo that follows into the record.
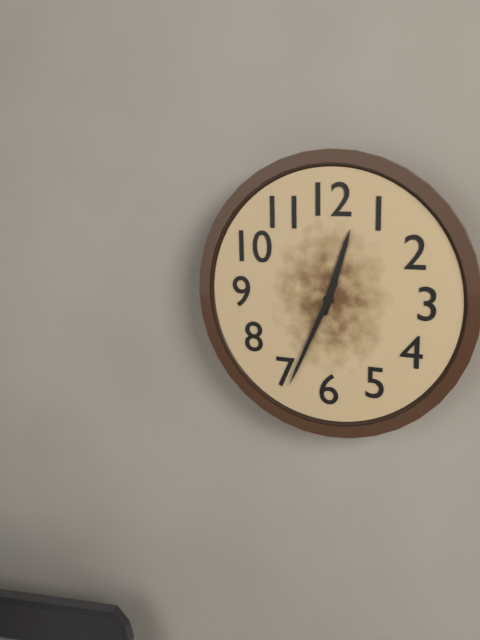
12:34
